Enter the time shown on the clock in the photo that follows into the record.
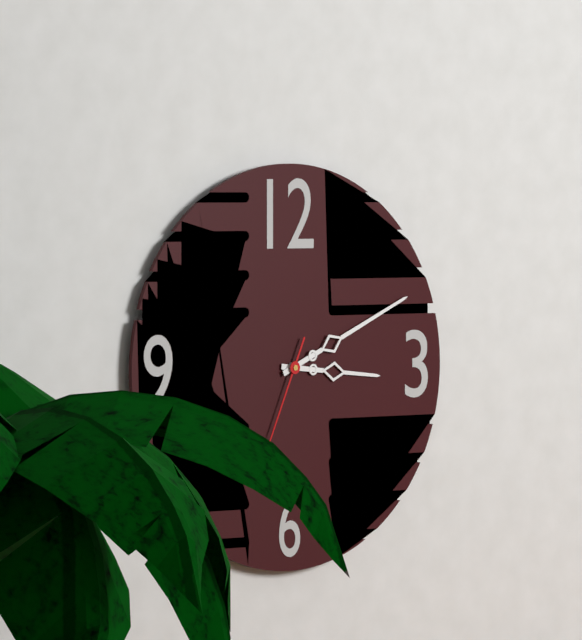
3:11
